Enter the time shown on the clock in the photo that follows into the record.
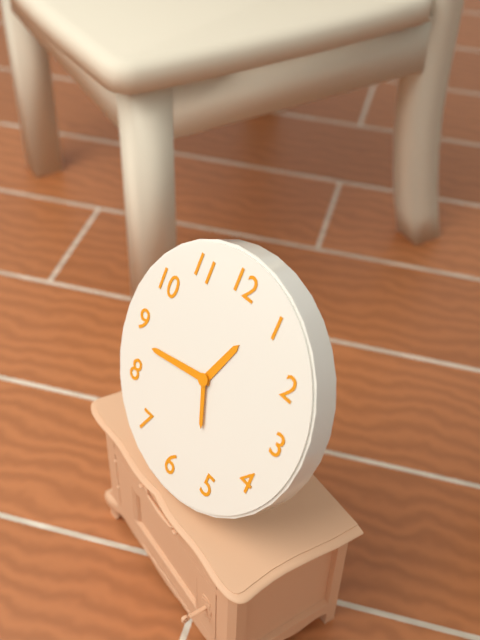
12:43:26
